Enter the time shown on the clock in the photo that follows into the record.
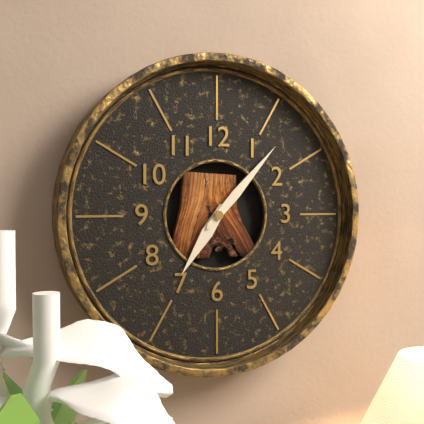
7:07
